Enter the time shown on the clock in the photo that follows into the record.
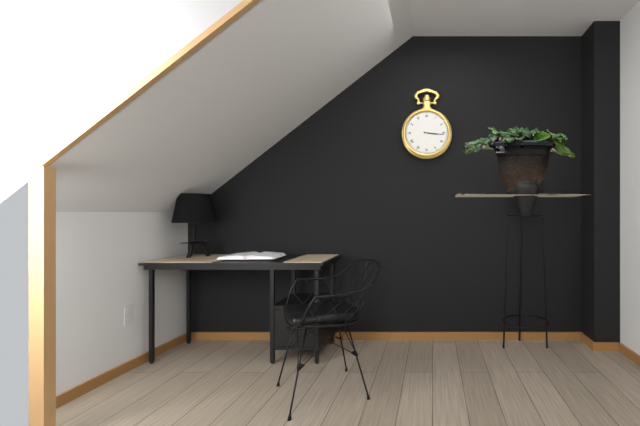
3:16
